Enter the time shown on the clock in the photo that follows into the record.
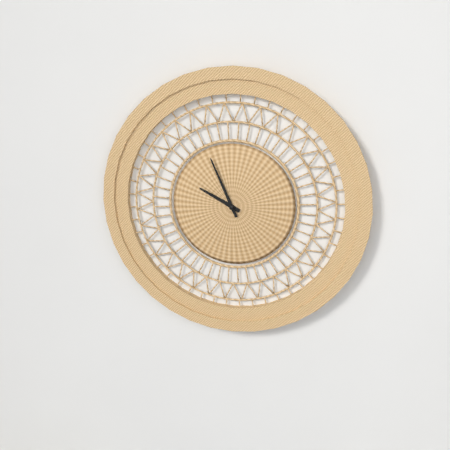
9:56
